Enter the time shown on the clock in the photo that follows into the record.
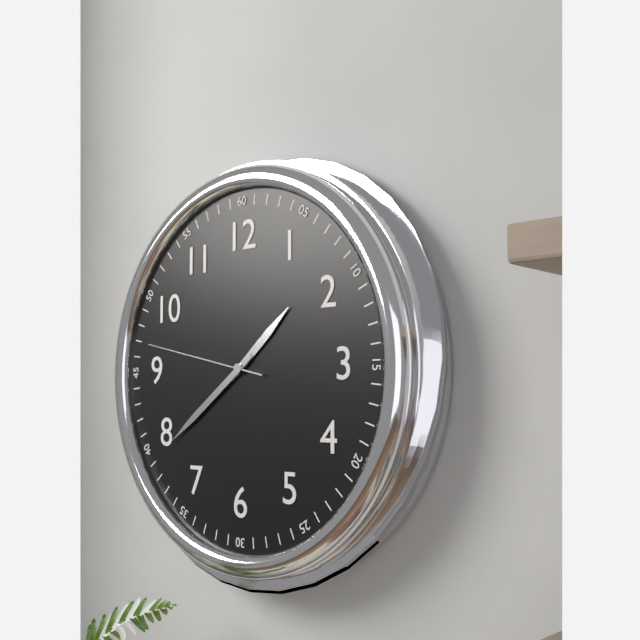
1:39:47
